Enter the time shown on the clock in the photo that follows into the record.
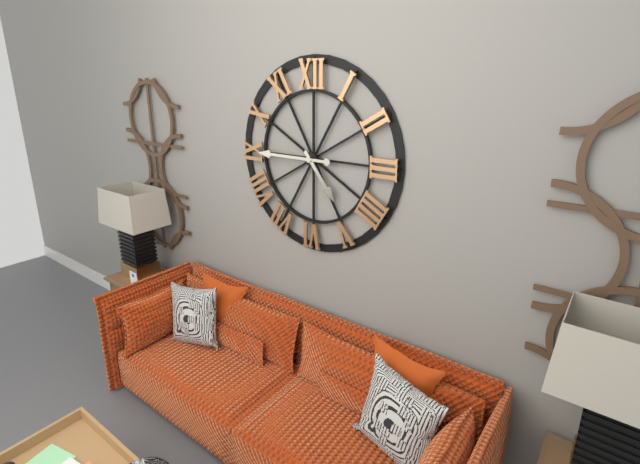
4:45
